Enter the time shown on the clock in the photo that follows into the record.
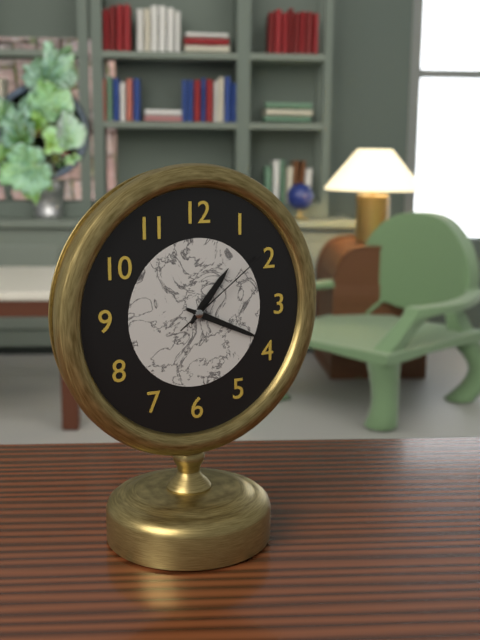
1:19:09
